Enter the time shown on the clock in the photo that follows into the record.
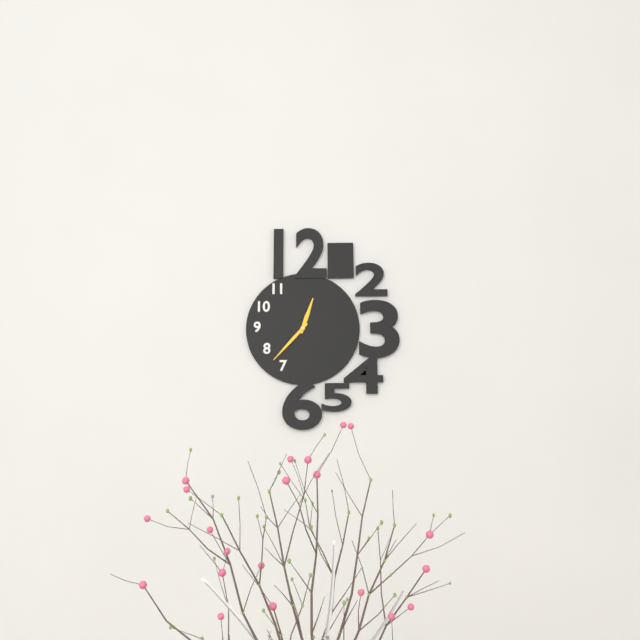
12:37
